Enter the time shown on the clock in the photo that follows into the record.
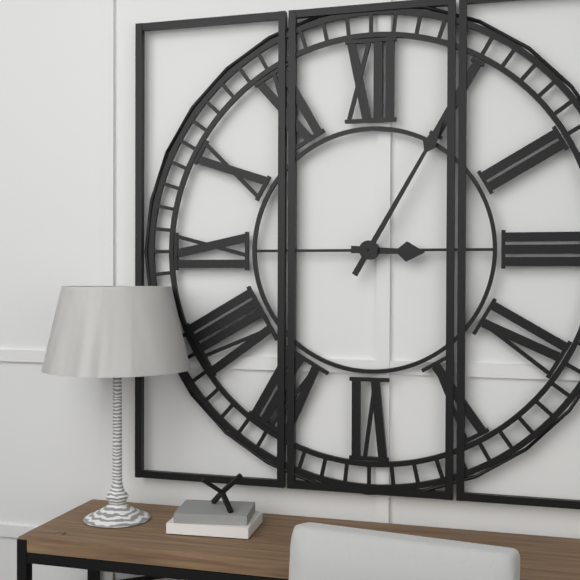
3:05
